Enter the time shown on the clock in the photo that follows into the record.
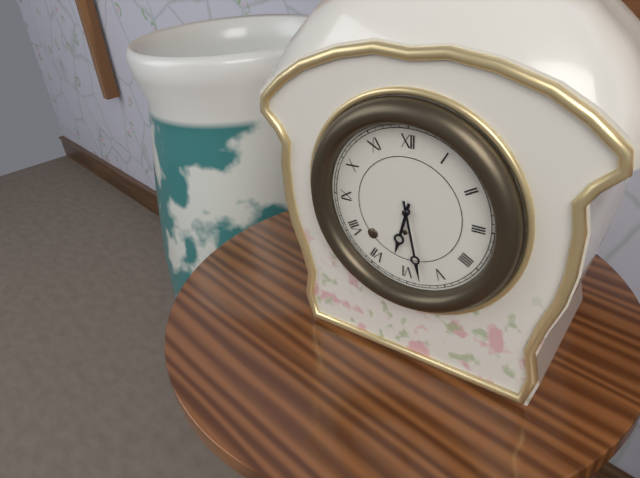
6:28
